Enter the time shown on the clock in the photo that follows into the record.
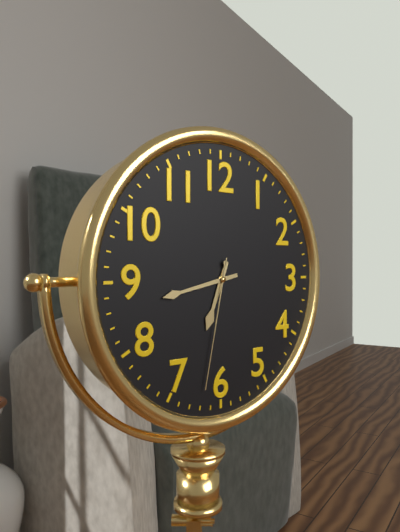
6:43:32
